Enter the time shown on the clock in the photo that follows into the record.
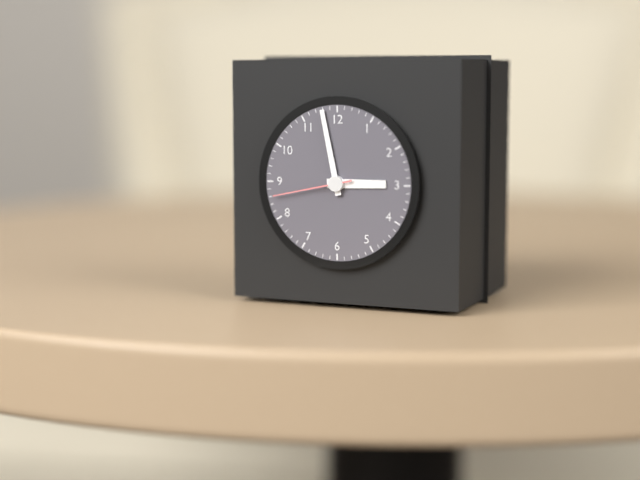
2:58:43
